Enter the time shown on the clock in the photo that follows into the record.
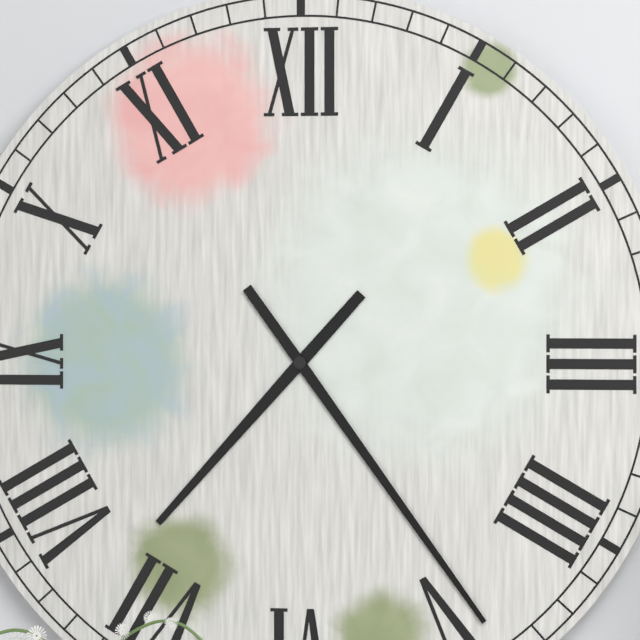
7:24
